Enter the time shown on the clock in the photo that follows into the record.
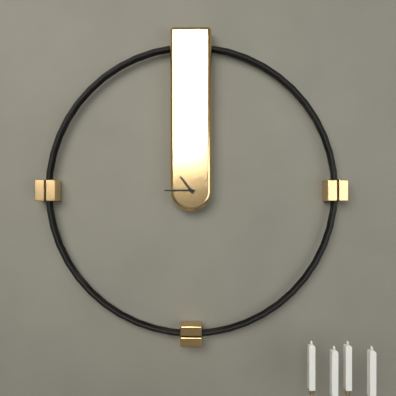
10:45
